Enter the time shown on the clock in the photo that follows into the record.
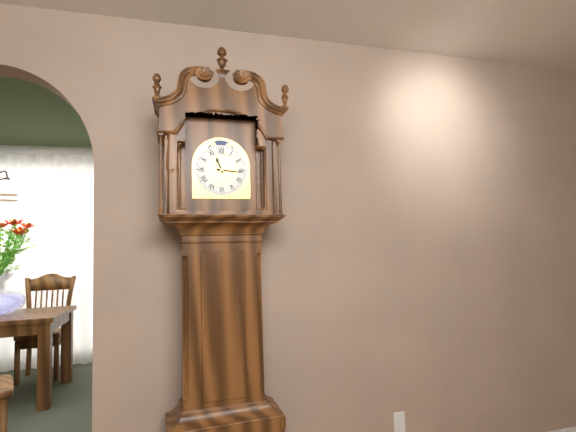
11:16
